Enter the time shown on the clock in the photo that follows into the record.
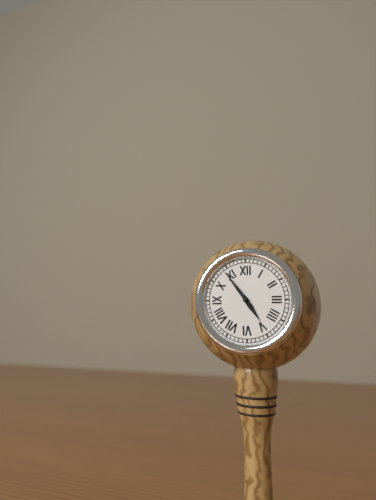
4:54
